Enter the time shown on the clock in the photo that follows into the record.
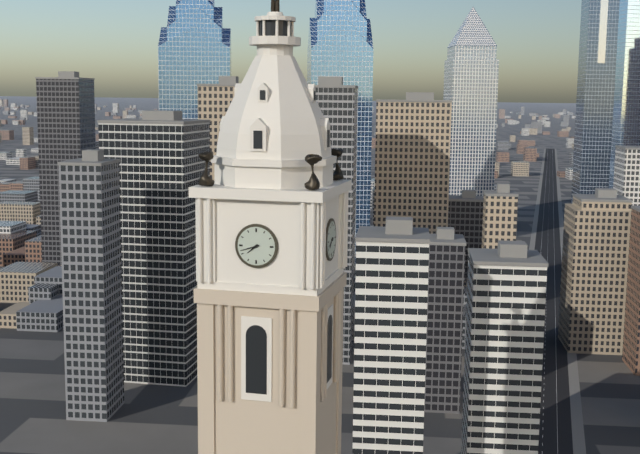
7:42
